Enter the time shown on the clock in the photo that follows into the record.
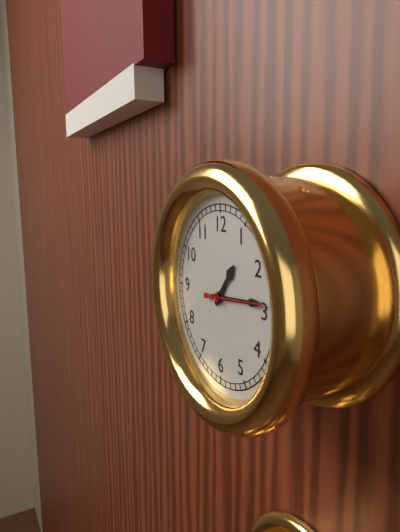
1:14:14
